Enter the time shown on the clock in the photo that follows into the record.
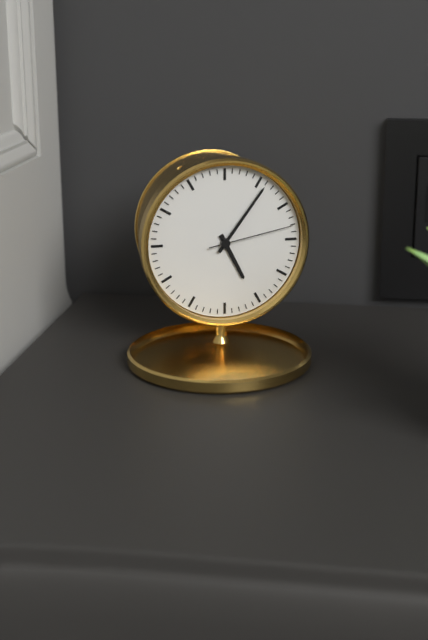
5:06:13
